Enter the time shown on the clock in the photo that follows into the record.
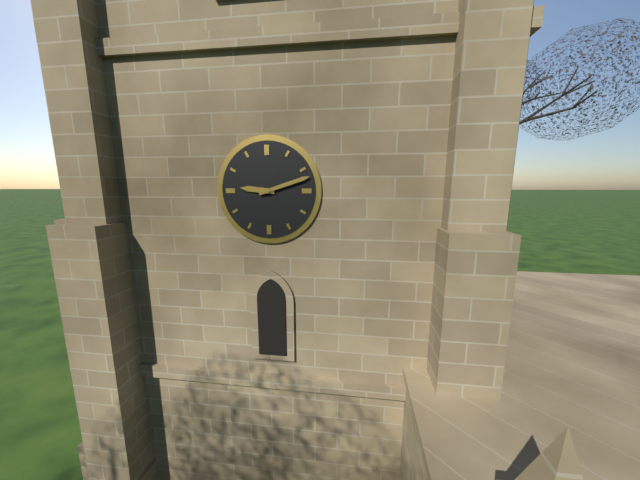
9:12
